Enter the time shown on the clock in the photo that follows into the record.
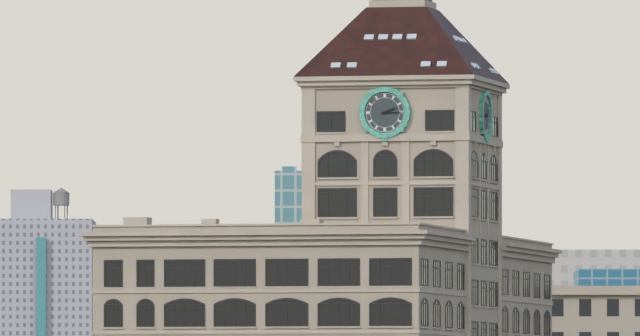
2:15
